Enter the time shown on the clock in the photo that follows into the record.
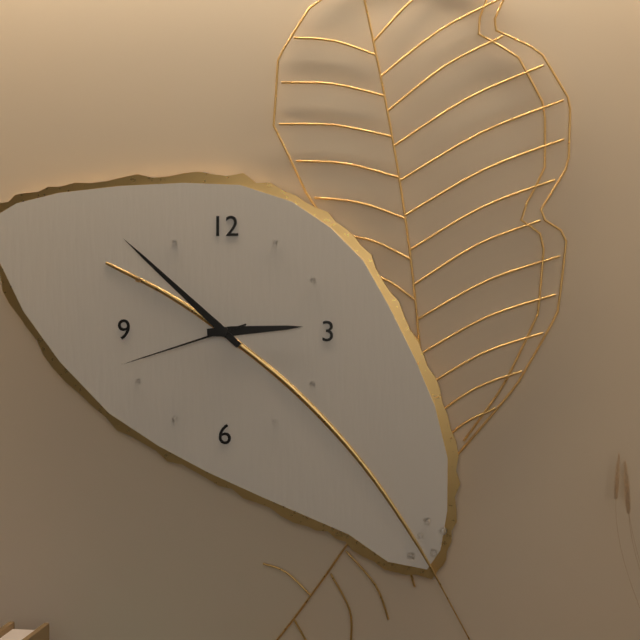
2:52:42
